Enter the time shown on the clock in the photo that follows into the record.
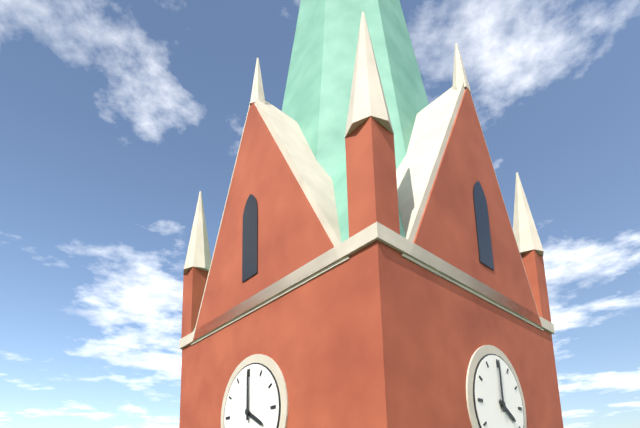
4:00
